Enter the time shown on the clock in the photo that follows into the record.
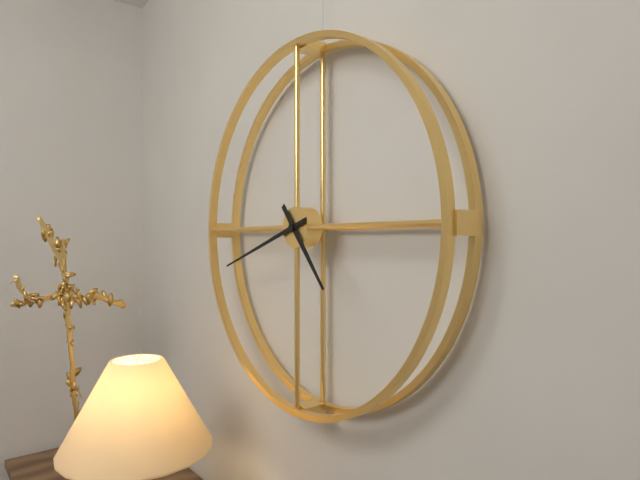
4:42
